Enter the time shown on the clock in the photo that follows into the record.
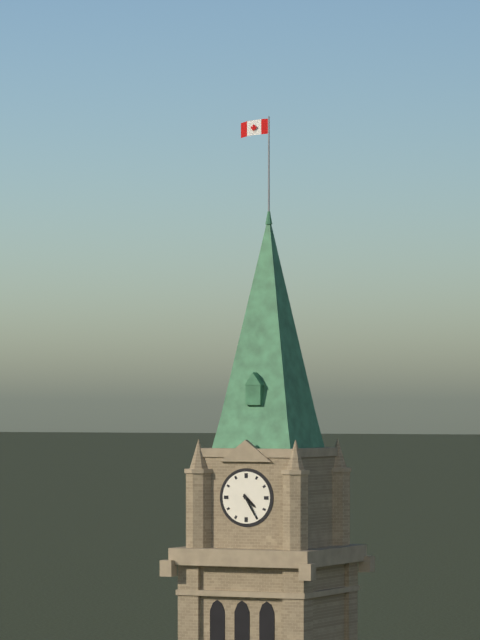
4:25
